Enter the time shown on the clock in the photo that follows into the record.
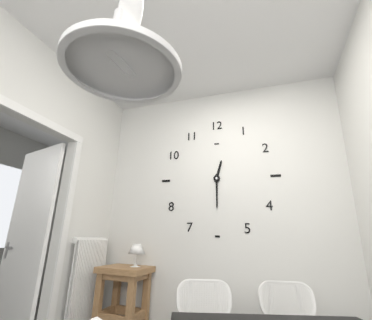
12:30
